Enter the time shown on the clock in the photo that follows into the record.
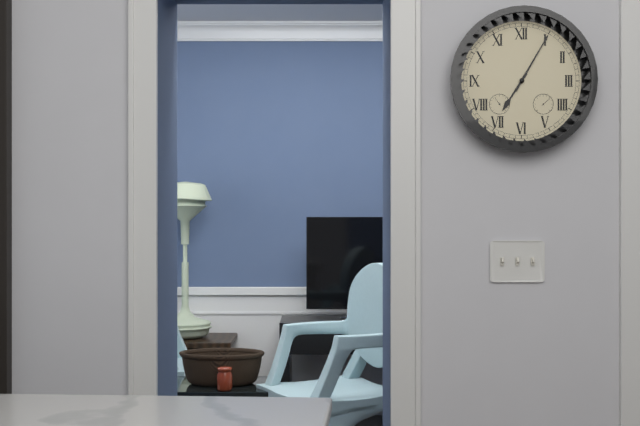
7:05
